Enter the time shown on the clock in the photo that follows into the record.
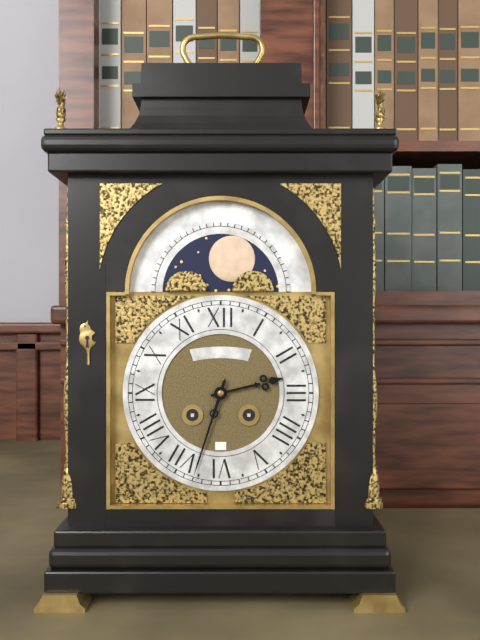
2:33
